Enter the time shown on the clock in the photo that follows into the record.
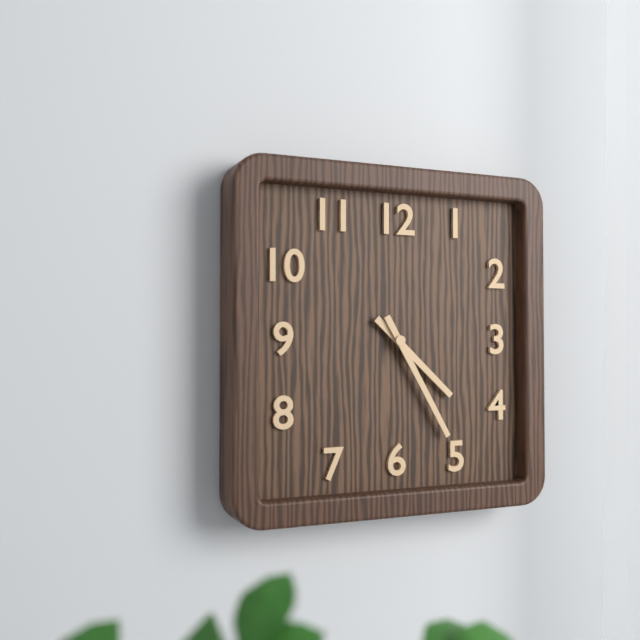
4:25
